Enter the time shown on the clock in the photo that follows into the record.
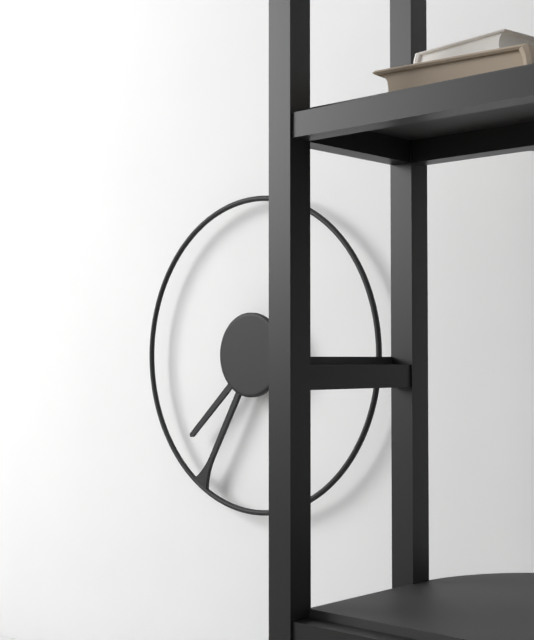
7:35
